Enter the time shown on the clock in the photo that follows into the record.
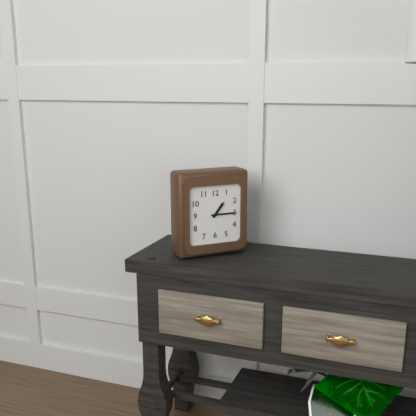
1:15
